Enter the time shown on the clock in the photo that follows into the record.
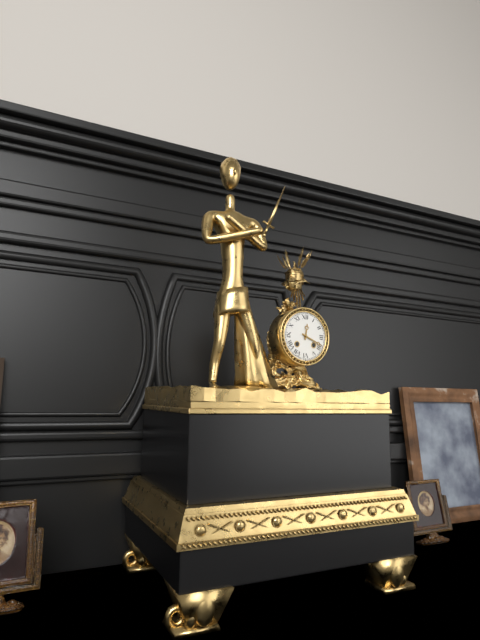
12:19
